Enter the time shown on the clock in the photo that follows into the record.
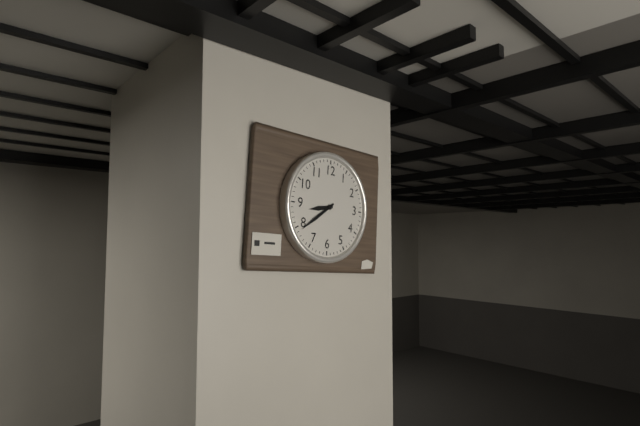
8:39
